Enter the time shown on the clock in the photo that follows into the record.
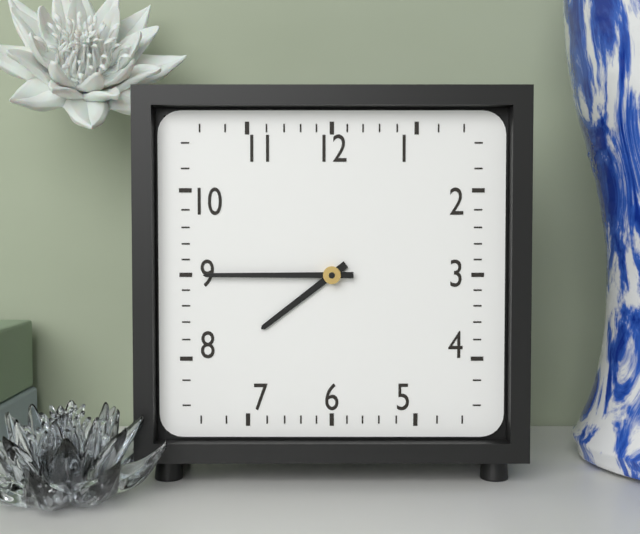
7:45
